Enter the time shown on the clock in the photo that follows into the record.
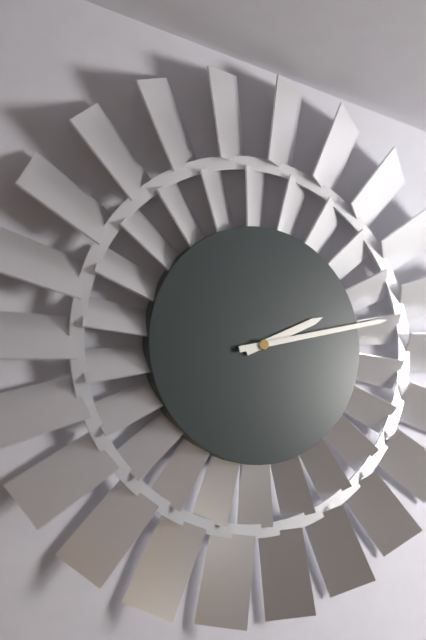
2:13
